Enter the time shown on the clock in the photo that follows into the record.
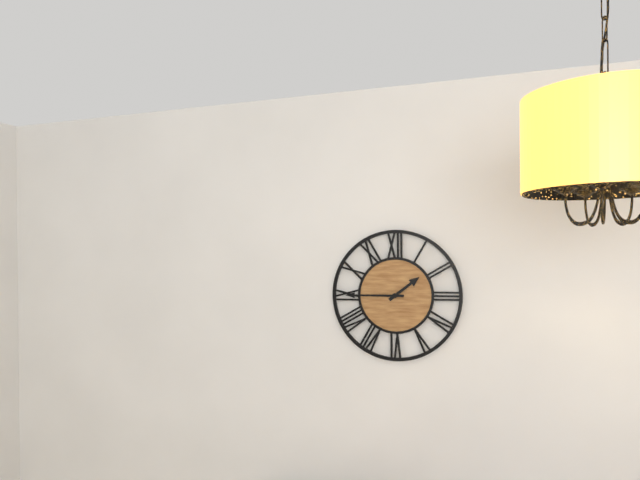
1:45
